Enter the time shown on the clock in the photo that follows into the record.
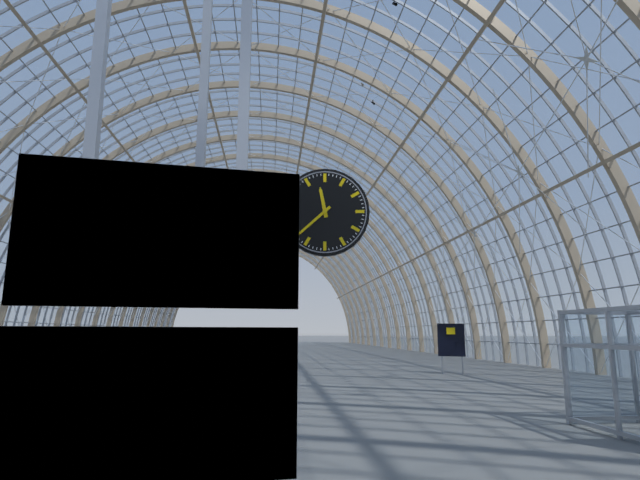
11:38
